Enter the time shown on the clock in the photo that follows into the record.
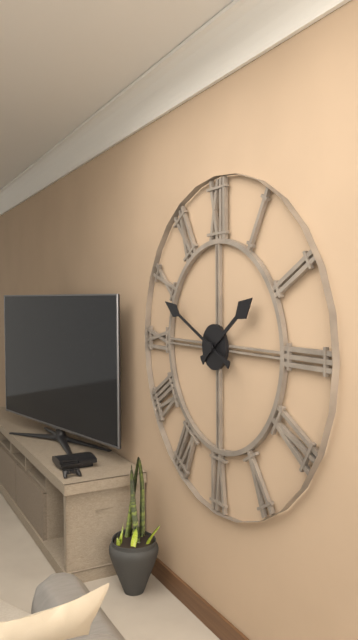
1:49
